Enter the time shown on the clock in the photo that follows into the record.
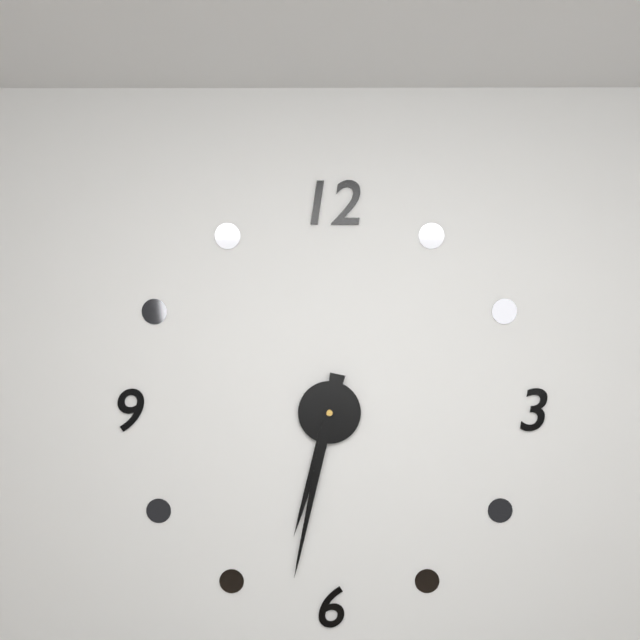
6:32
